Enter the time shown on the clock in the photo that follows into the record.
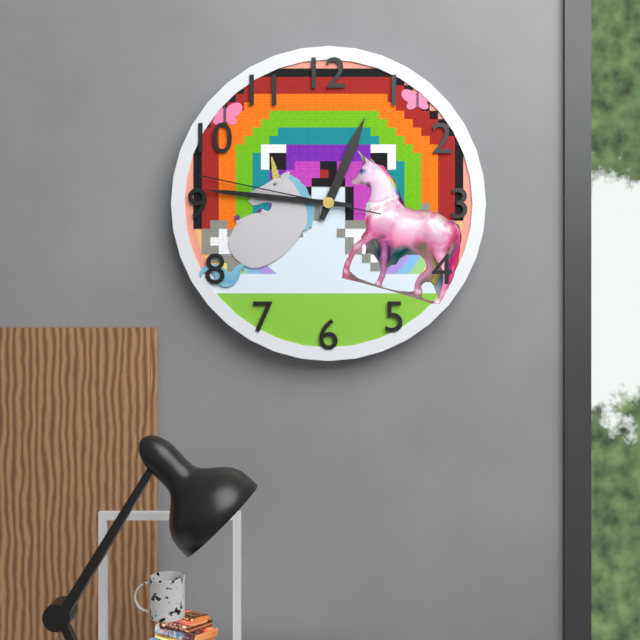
12:46:47
